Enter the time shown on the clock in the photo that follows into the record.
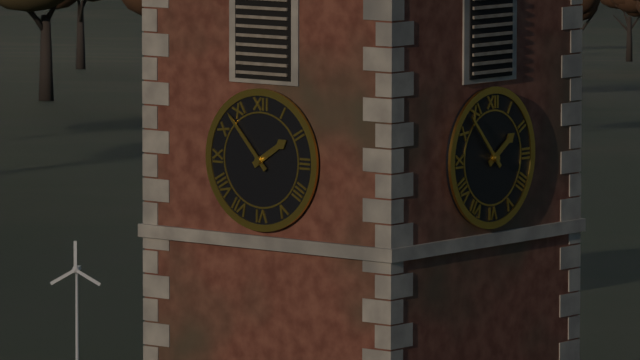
1:53
